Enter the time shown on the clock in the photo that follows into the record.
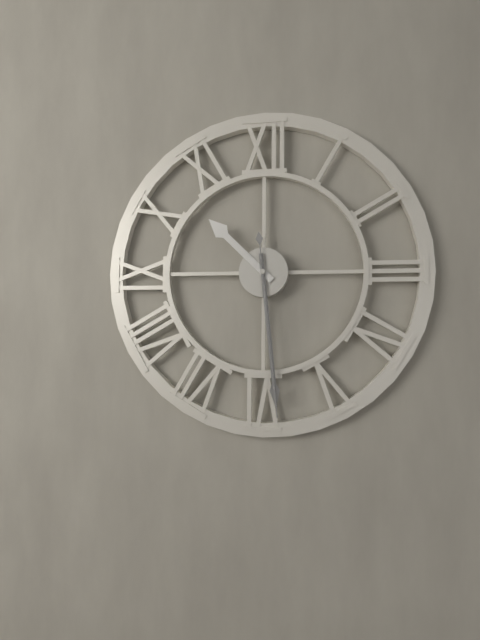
10:29:29
